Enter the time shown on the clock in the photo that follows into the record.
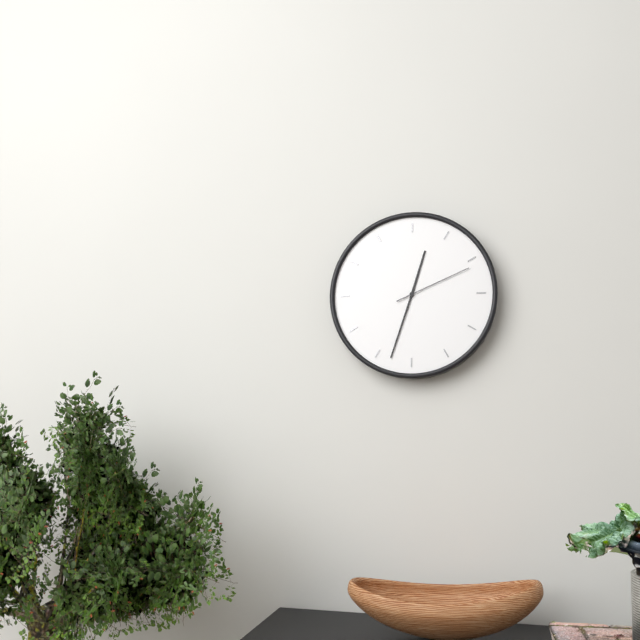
12:33:11
